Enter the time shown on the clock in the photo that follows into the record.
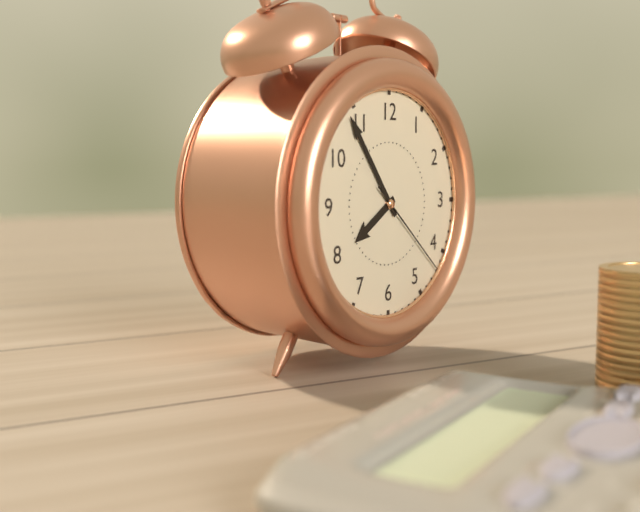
7:54:22
